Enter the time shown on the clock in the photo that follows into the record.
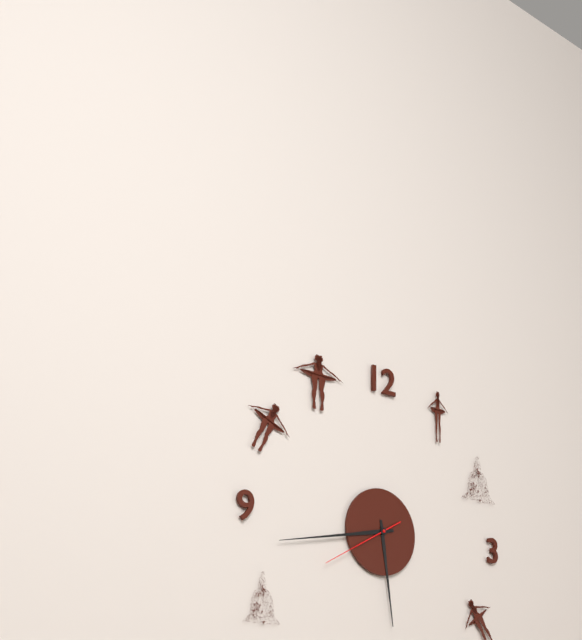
5:43:40
